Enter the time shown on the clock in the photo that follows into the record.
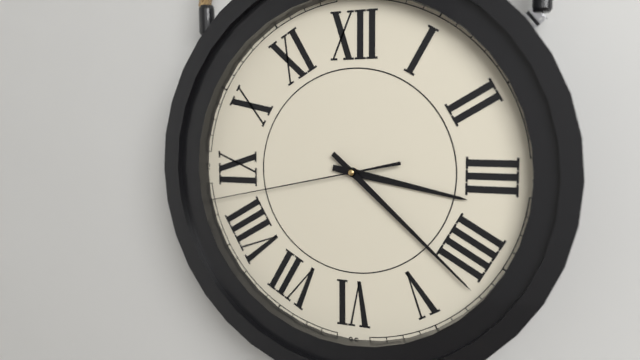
3:22:43
